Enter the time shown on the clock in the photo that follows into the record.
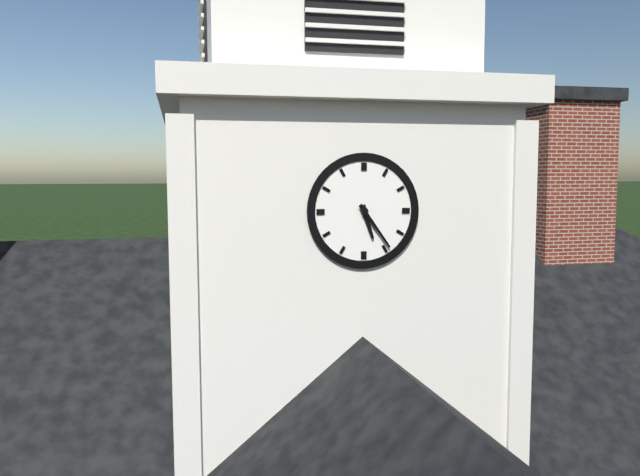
5:24
